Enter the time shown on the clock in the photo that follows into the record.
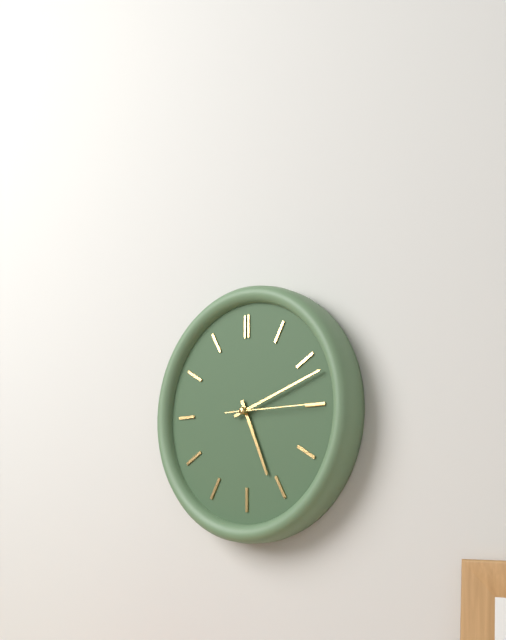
5:12:15
